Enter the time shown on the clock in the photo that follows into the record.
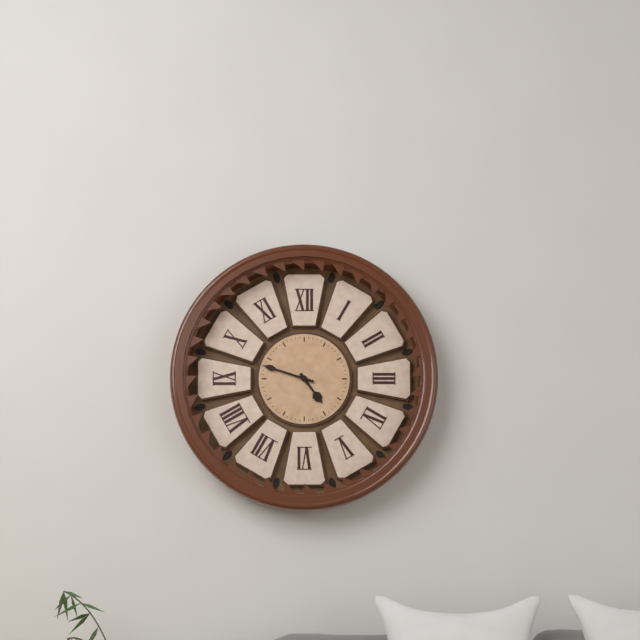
4:48
